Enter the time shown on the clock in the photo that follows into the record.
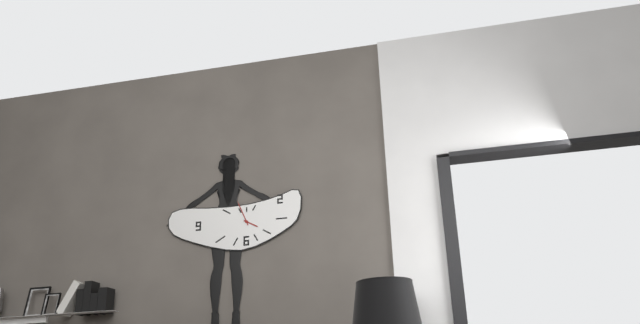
3:56
